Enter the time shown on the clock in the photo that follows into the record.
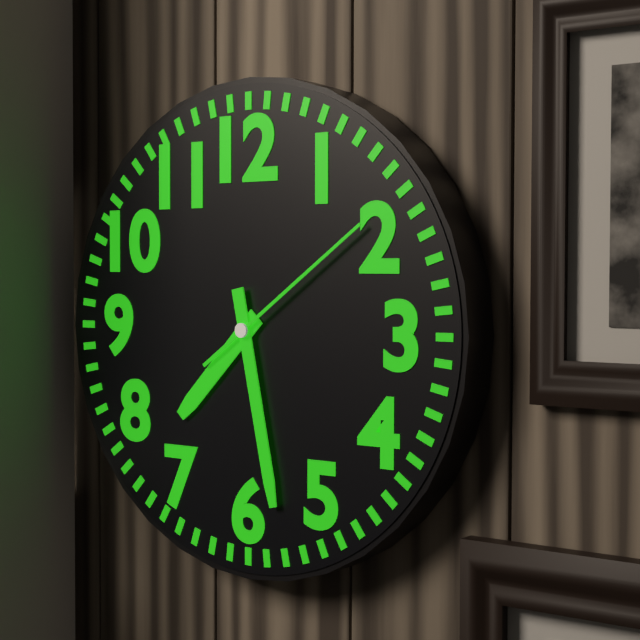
7:28:09
